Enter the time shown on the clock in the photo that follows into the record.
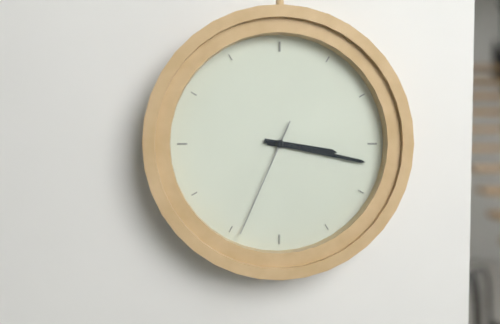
3:17:34
